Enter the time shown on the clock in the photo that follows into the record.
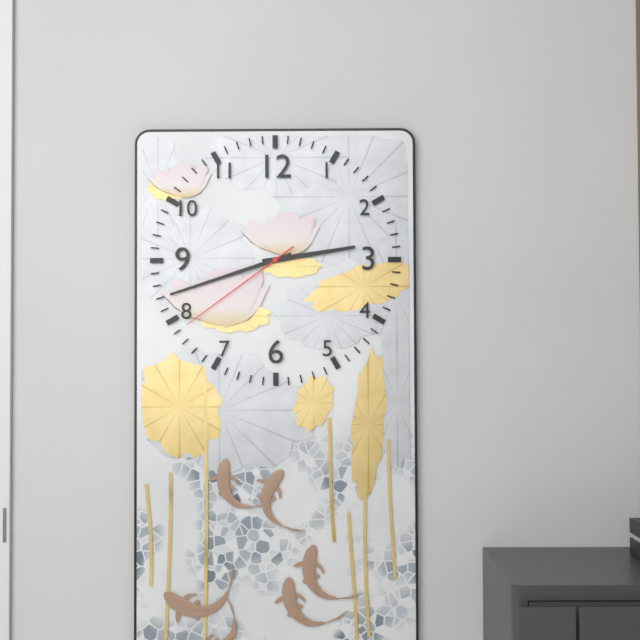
2:42:39
